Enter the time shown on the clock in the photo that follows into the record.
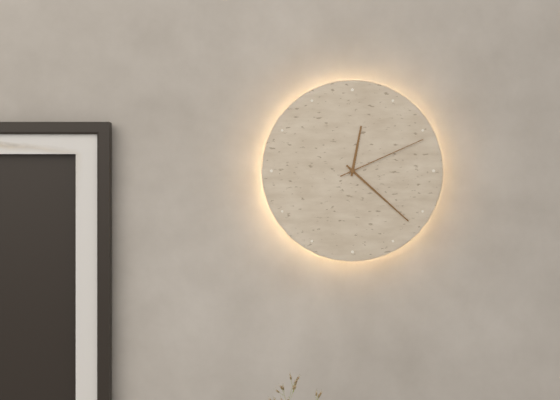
12:22:11
